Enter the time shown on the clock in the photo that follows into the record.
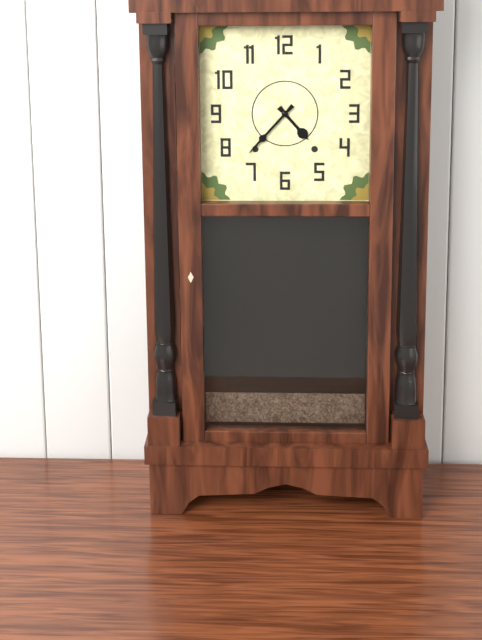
4:37
